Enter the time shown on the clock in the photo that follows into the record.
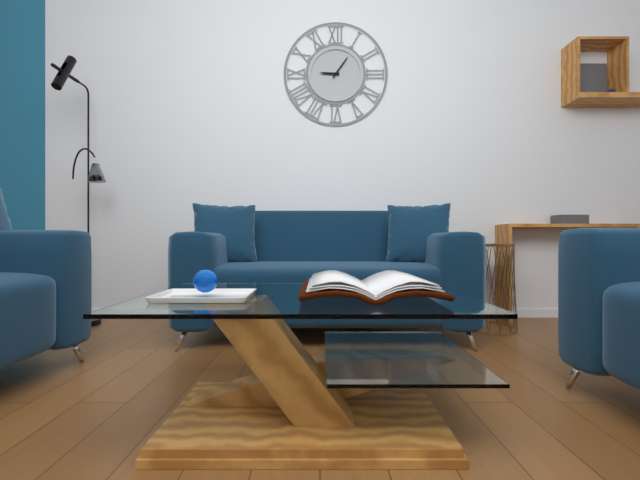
9:06
